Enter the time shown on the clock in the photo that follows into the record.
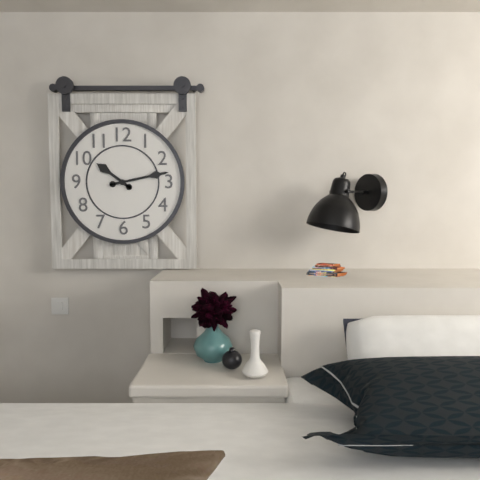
10:13
